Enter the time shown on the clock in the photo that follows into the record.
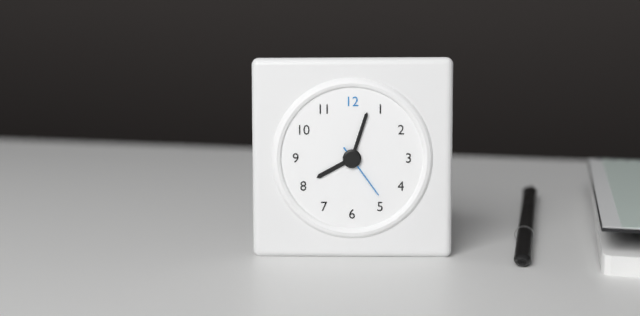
8:03:24
